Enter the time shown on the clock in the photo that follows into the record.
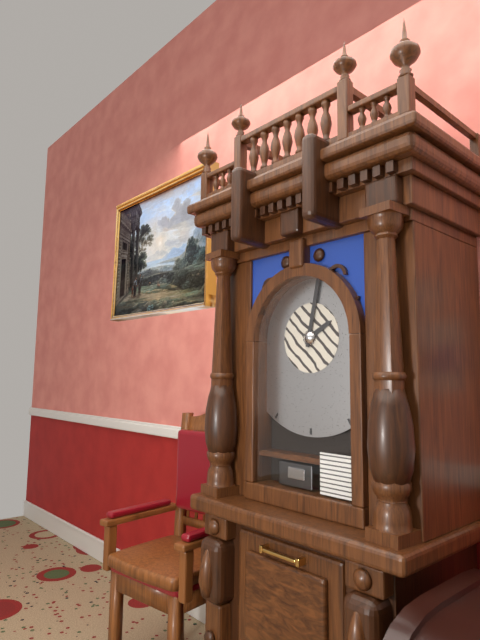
2:02
